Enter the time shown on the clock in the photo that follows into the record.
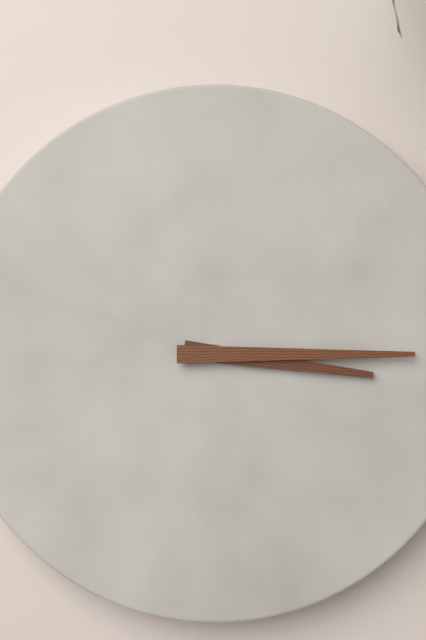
3:15
